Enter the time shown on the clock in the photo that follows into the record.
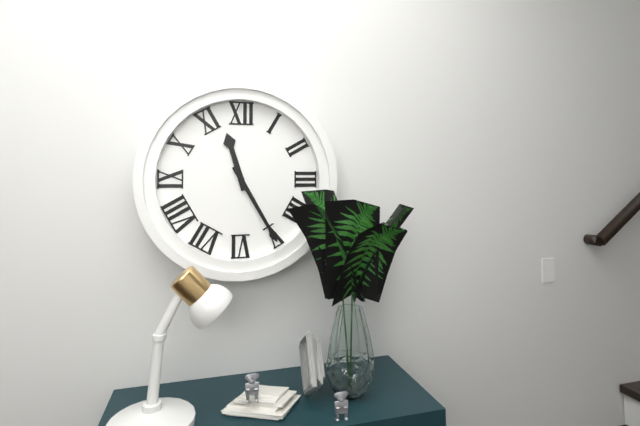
11:25
